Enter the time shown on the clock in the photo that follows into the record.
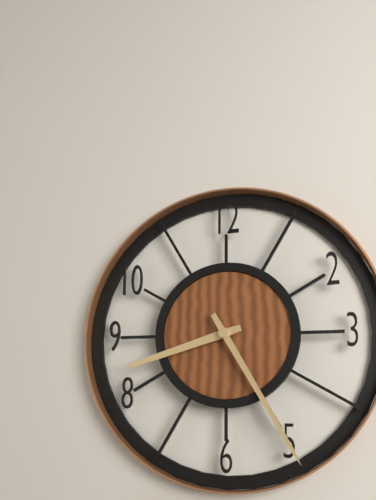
8:25
